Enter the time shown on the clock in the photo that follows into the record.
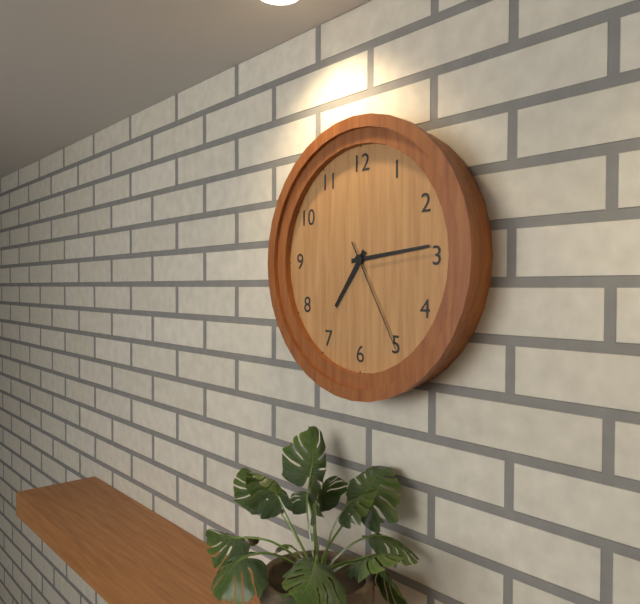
7:14:25
